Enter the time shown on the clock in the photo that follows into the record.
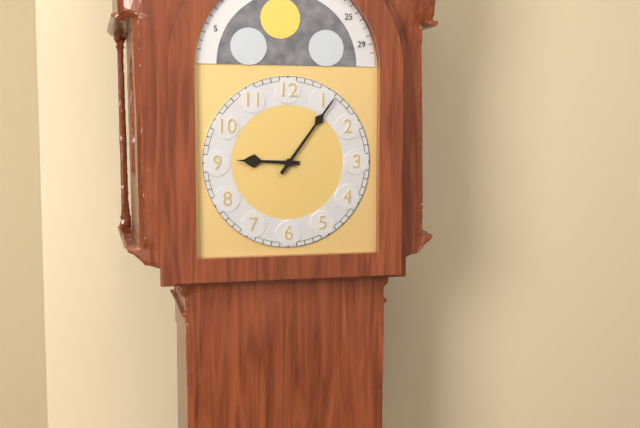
9:06
